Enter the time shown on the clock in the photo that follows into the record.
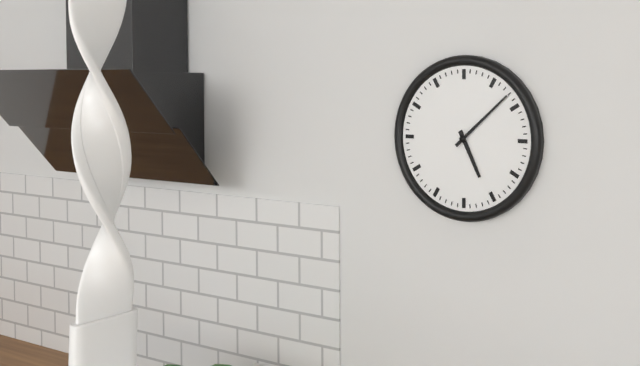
5:08
